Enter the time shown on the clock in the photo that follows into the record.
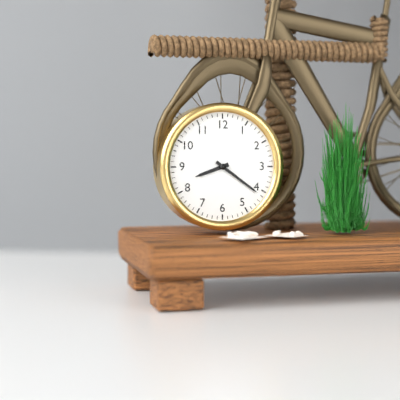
8:21
